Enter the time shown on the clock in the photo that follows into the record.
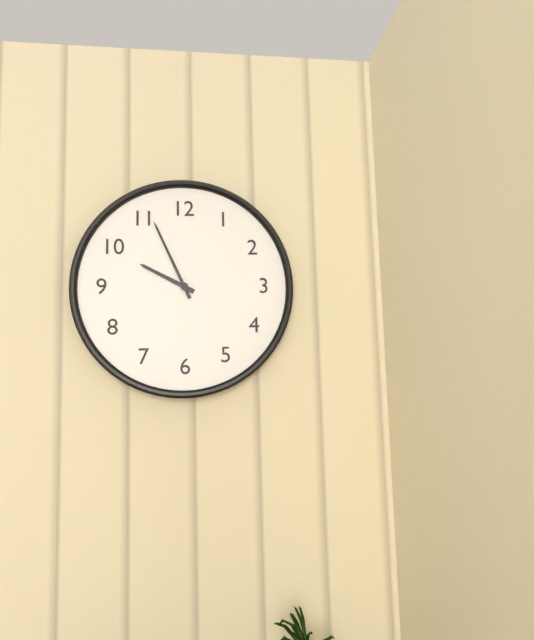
9:56
